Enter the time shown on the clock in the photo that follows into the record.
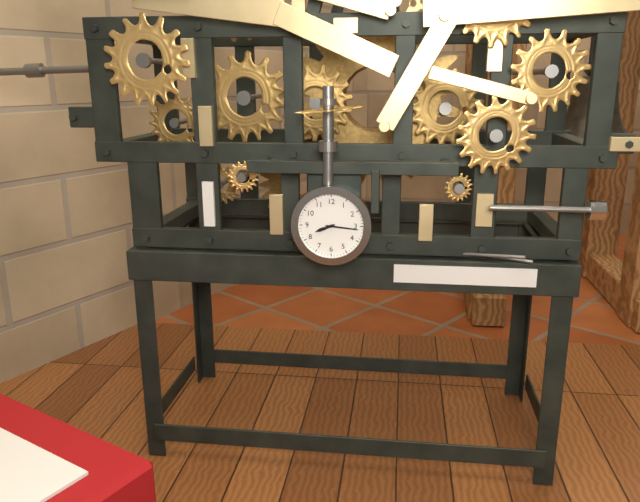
8:16
